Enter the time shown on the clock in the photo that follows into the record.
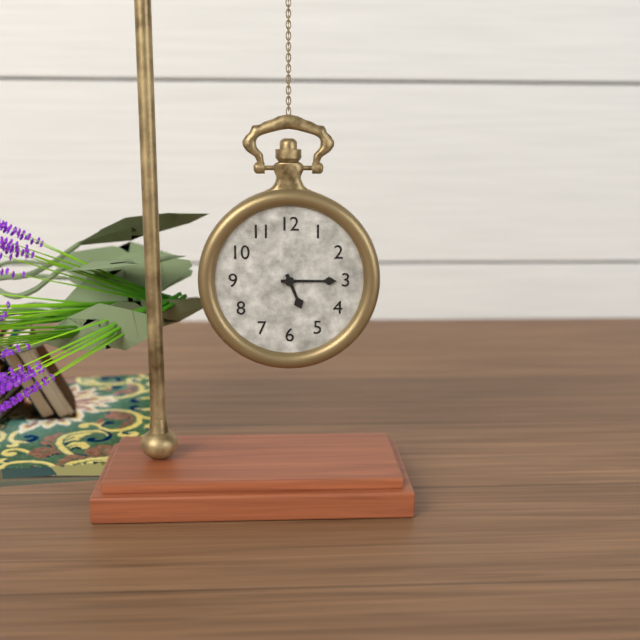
5:15
